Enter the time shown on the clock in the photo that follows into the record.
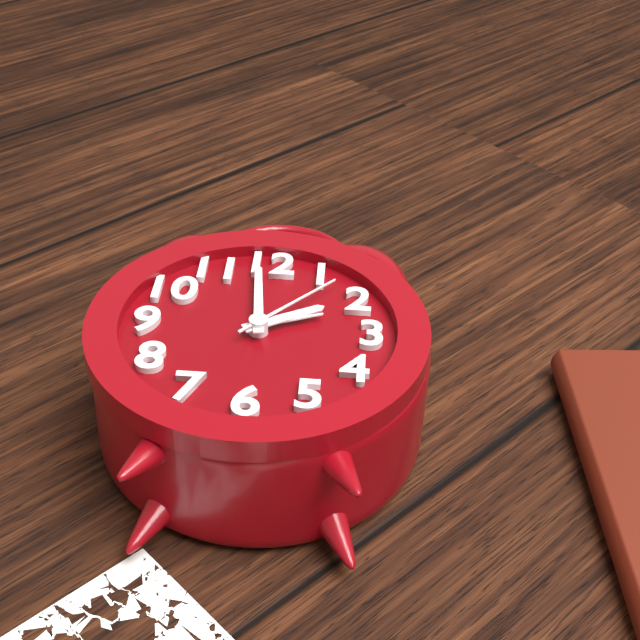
1:59:07
